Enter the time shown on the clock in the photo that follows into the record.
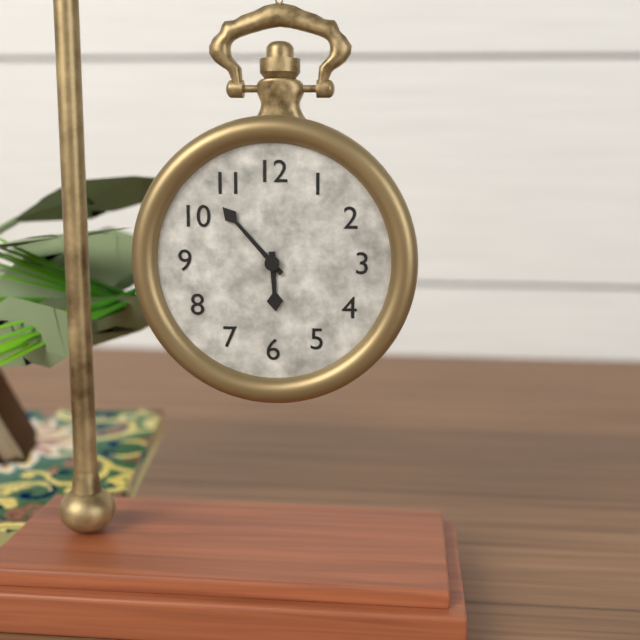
5:53
